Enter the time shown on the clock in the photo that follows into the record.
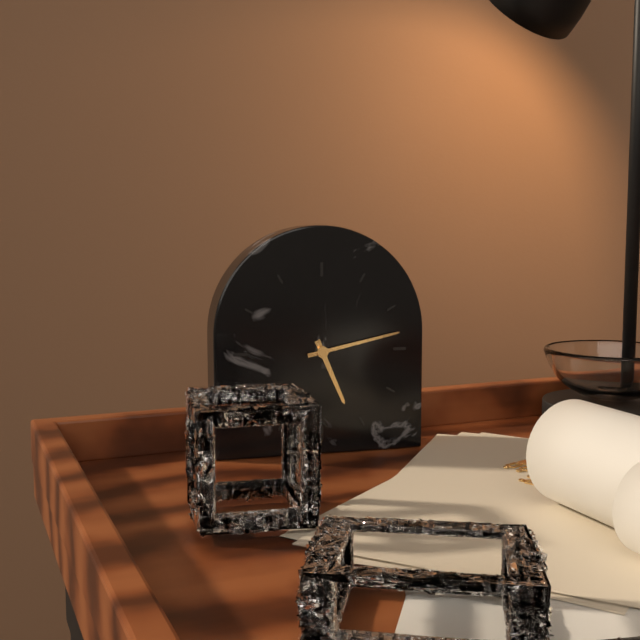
5:13
